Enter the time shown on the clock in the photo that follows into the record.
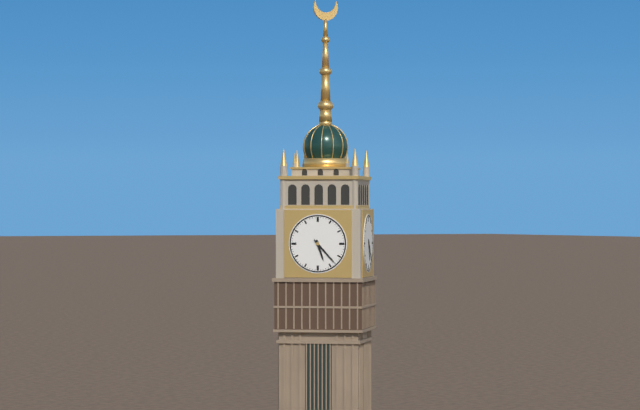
5:23
